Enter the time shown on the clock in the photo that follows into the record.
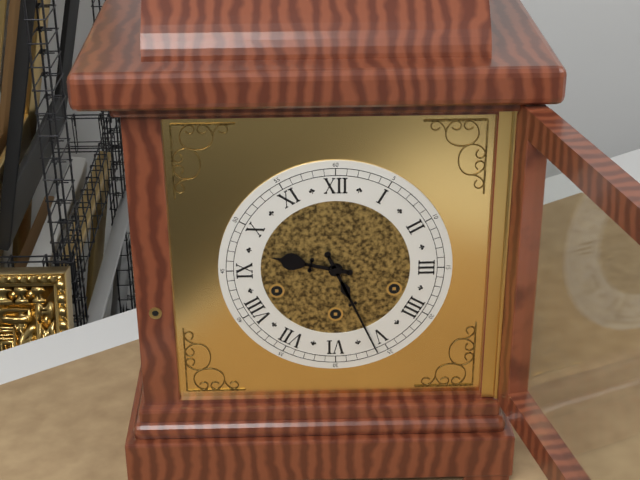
9:26
